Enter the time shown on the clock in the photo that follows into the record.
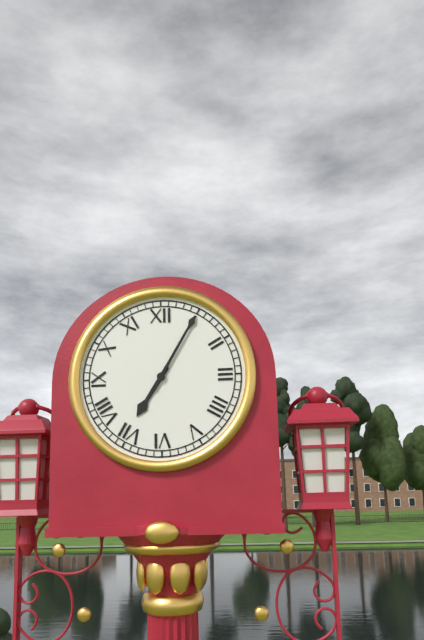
7:05
